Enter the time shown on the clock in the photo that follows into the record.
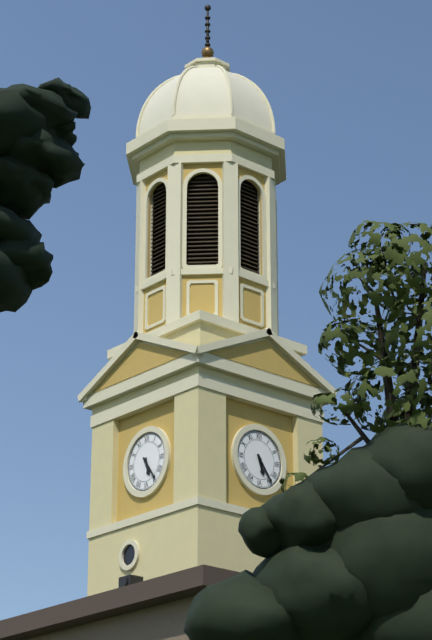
5:24
